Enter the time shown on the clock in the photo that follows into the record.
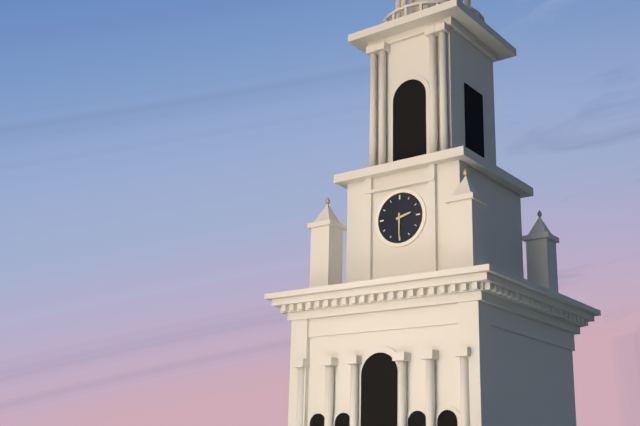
2:30
